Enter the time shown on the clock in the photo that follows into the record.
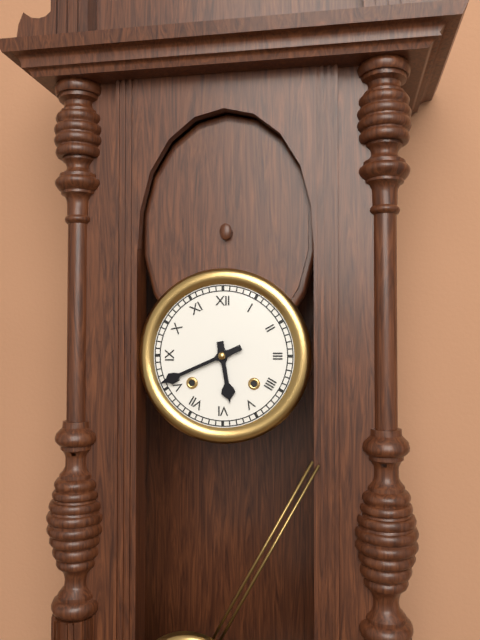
5:41
